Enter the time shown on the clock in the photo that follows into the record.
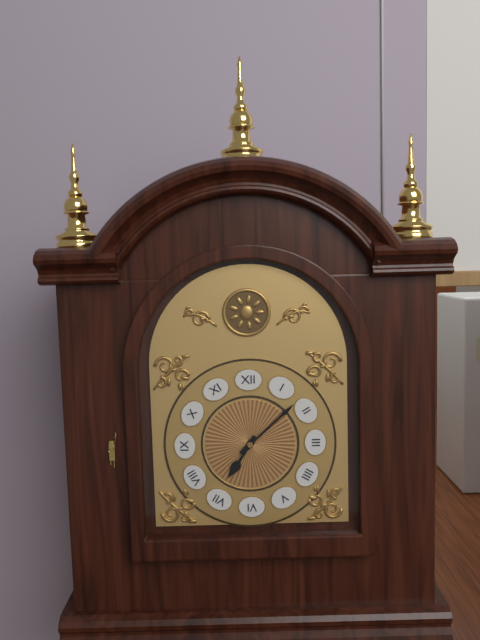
7:08
